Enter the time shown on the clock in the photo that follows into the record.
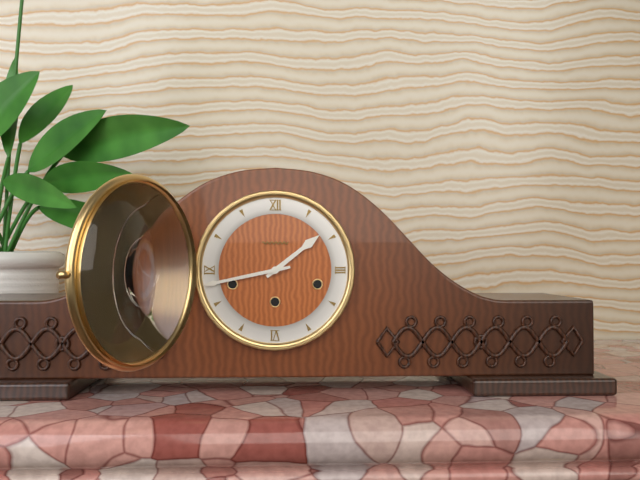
1:43
